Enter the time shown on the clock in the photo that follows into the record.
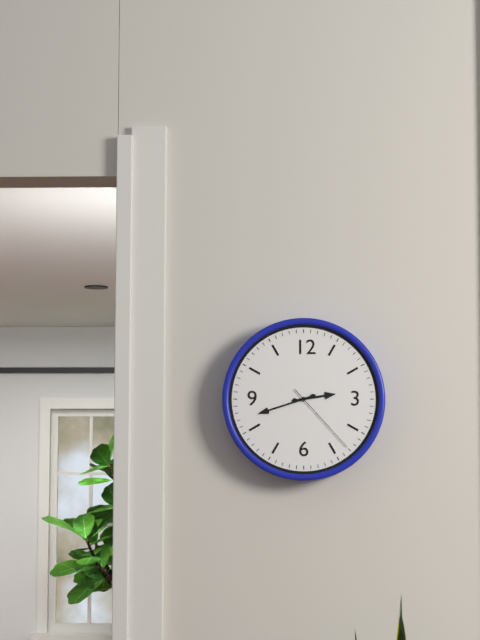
2:42:23
